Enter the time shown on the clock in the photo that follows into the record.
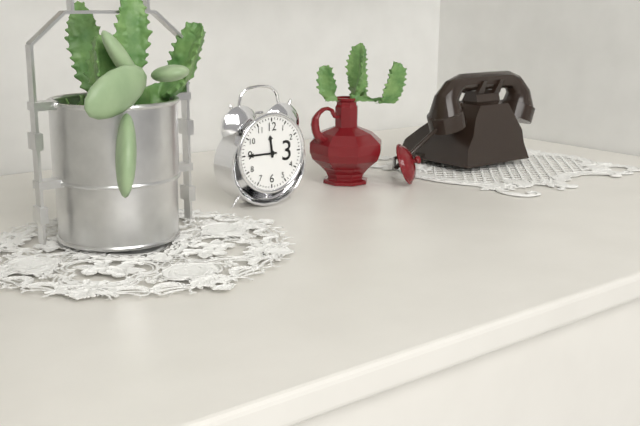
11:45
